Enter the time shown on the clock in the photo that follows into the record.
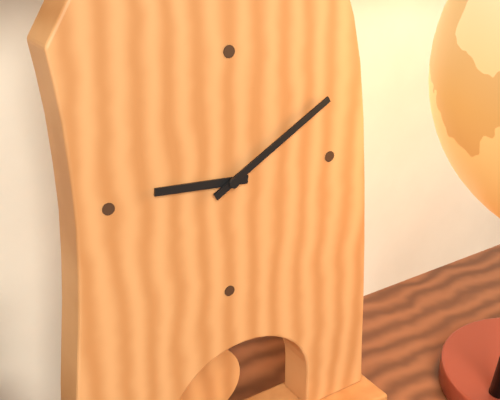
9:10
